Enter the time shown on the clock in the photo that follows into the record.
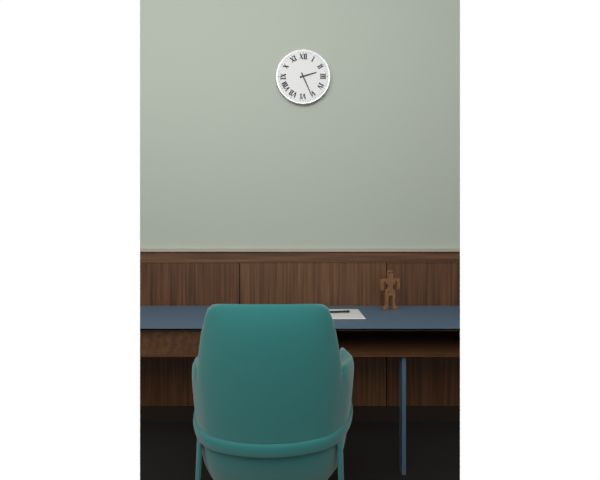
2:26
